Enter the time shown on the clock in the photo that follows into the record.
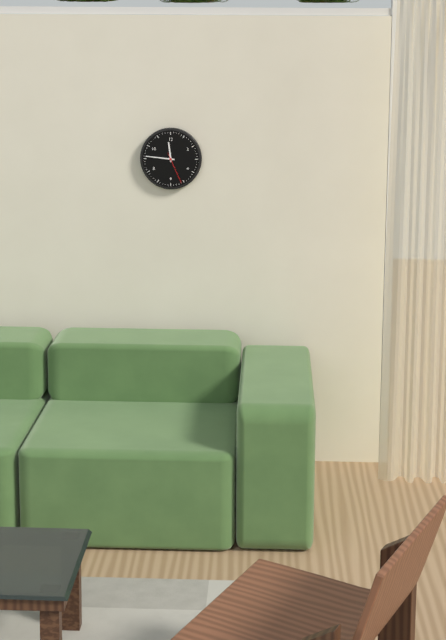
11:46
